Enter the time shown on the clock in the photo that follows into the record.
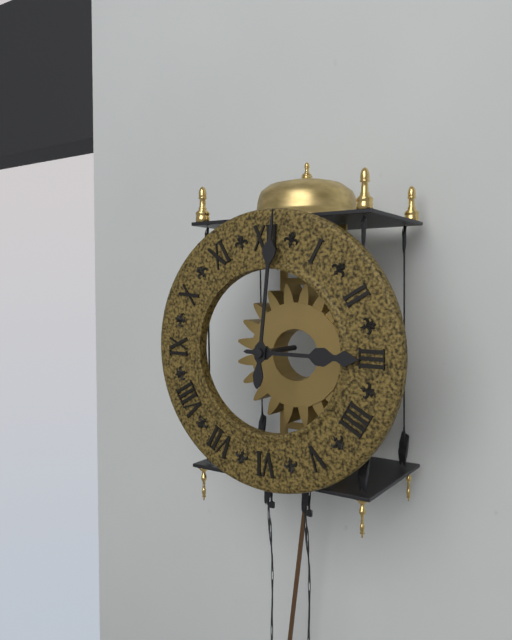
3:01
